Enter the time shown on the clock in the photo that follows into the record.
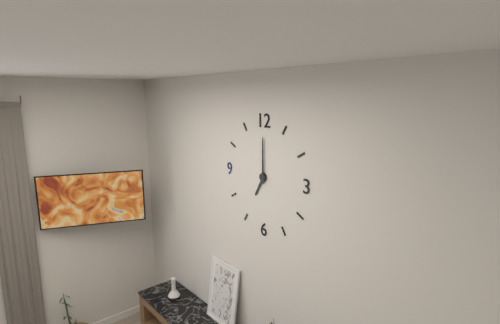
7:00
